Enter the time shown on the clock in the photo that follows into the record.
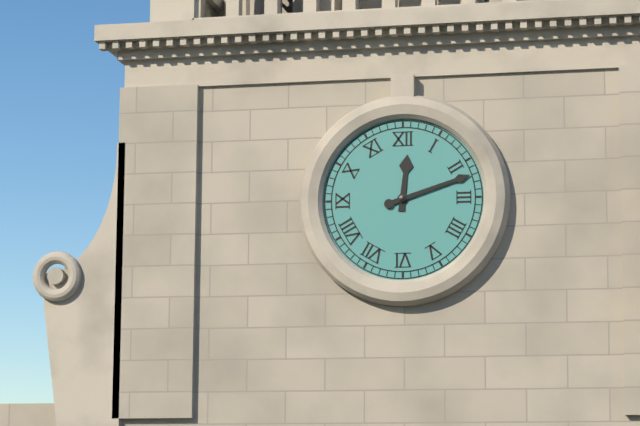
12:12
